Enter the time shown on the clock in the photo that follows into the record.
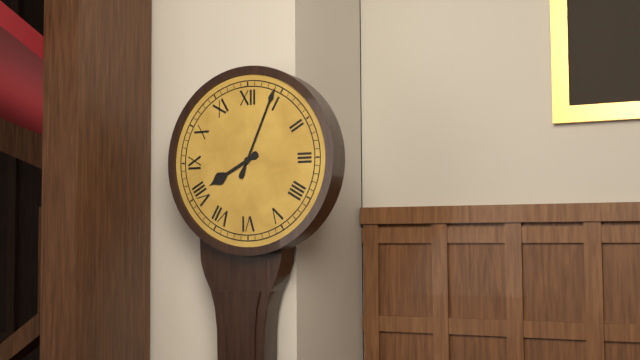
8:04
